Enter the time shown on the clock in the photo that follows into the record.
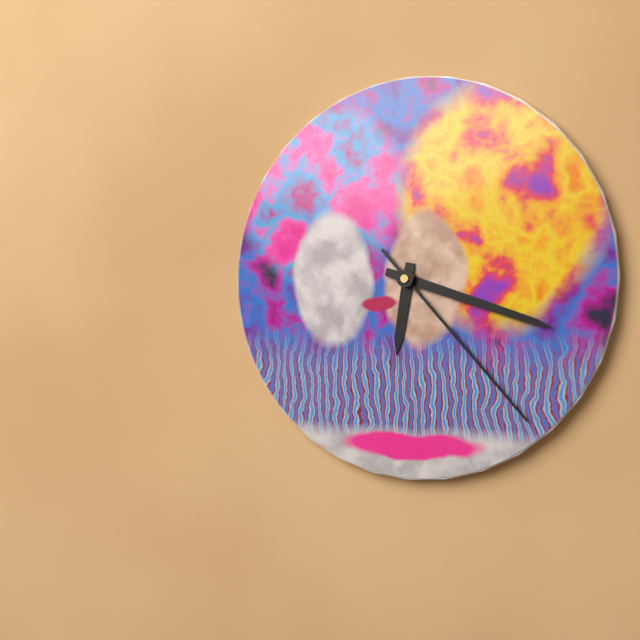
6:18:23
